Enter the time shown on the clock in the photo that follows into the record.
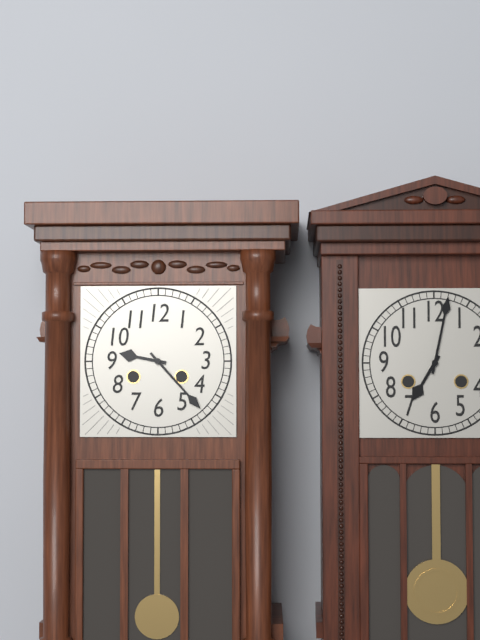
9:23
